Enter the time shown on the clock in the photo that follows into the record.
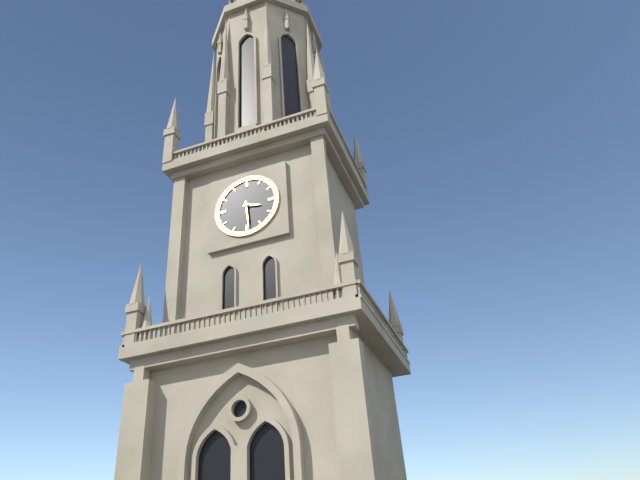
3:29
